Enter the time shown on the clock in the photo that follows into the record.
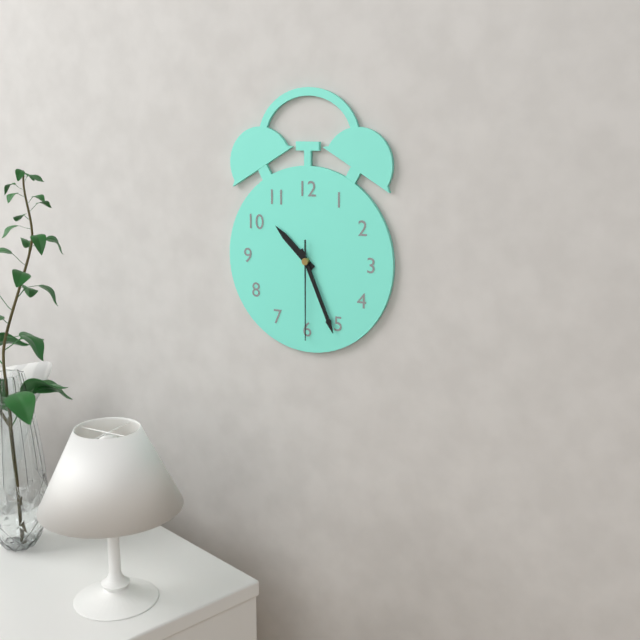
10:26:30
